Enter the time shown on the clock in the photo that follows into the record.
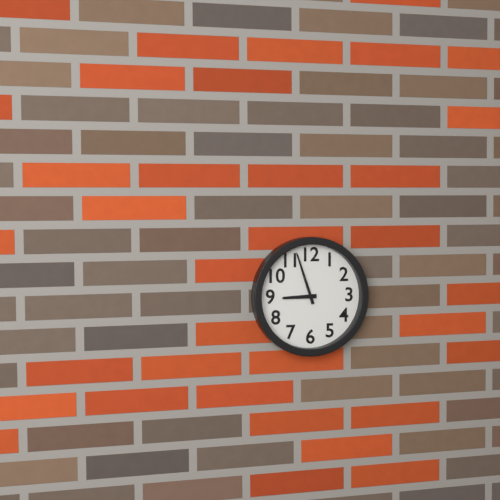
8:57
